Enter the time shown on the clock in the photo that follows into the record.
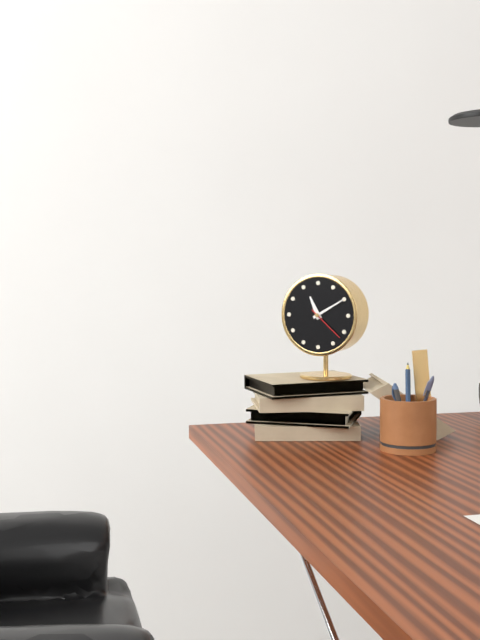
11:10
